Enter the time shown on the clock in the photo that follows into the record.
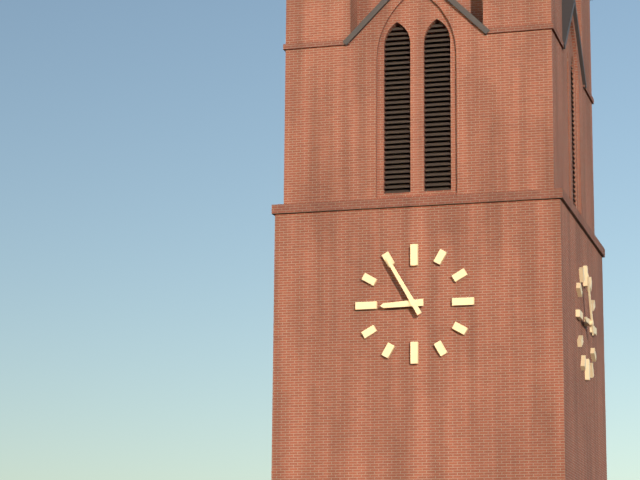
8:55
